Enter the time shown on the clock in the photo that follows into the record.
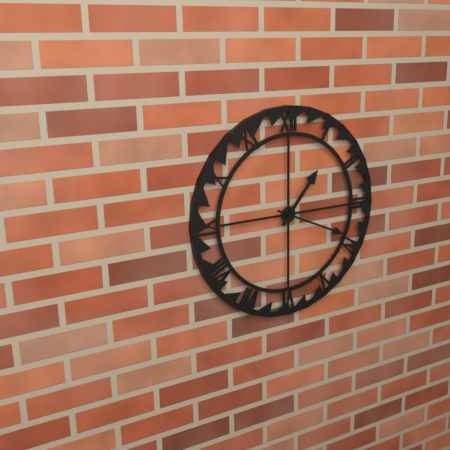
1:19
